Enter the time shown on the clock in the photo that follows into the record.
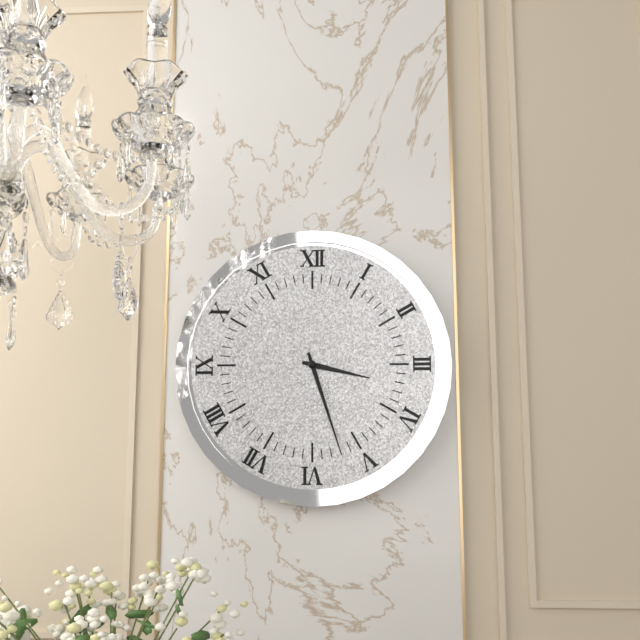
3:27
